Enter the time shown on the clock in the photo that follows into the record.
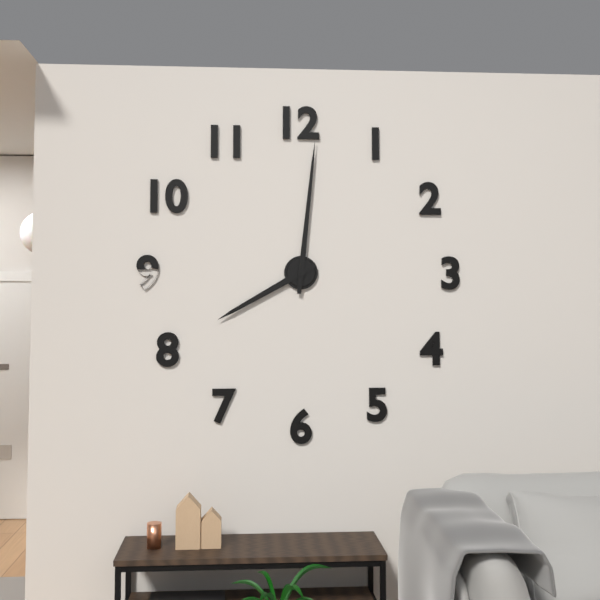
8:01
